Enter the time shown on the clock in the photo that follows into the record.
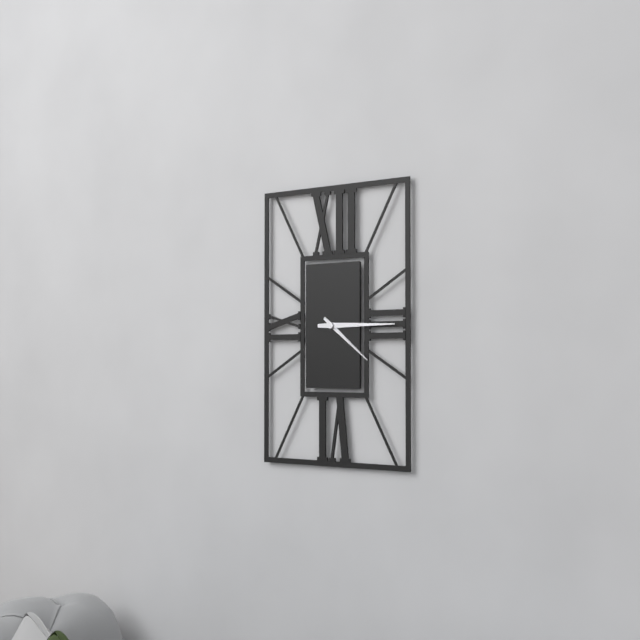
4:15
